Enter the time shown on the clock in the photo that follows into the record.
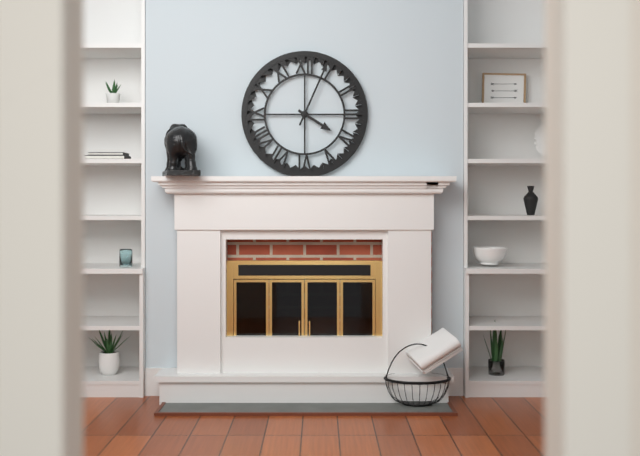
4:04
